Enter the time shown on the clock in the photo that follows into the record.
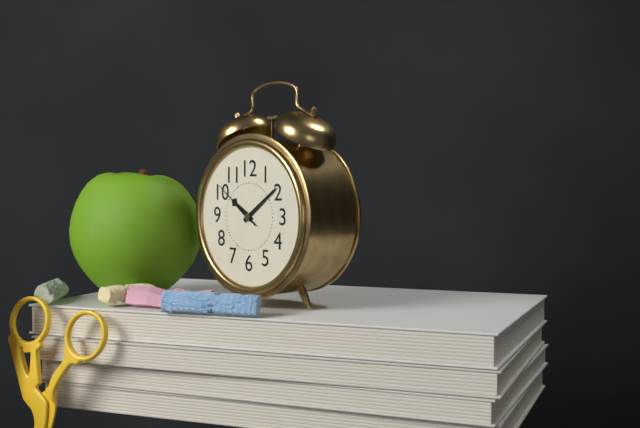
10:09:51
